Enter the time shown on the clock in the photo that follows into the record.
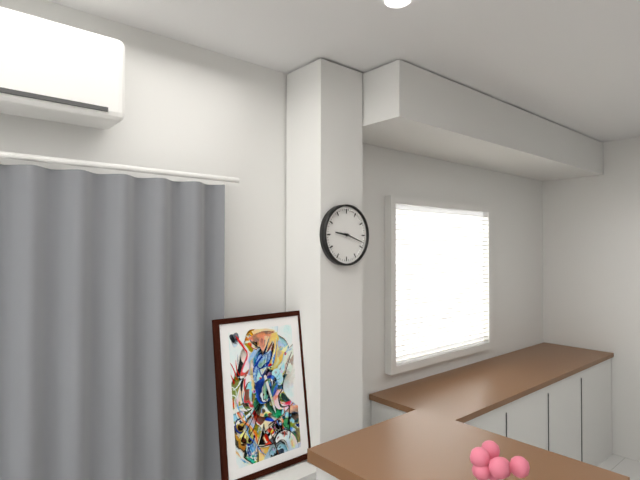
9:18
